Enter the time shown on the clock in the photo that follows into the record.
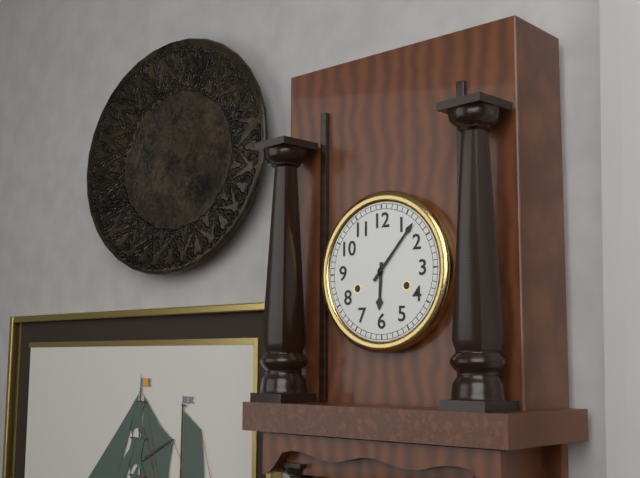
6:07
